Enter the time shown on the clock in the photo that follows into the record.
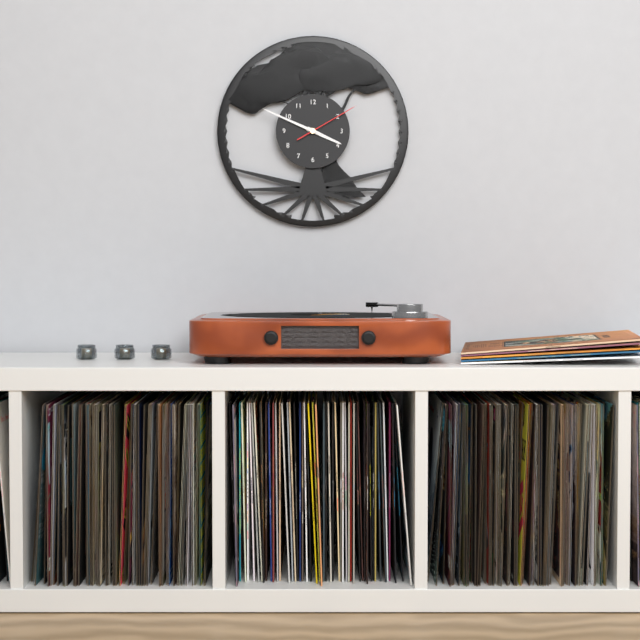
3:49:10
